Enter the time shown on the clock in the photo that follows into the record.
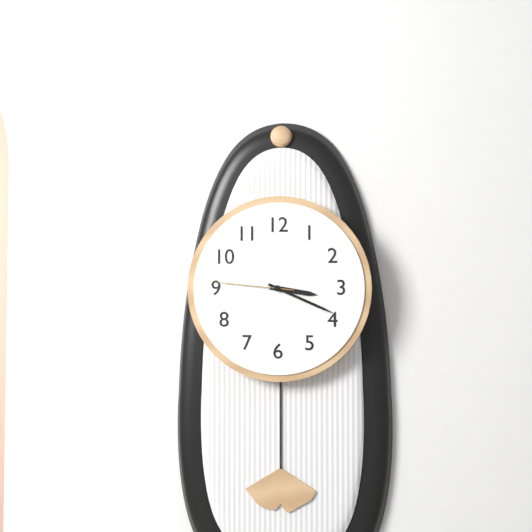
3:19:46
